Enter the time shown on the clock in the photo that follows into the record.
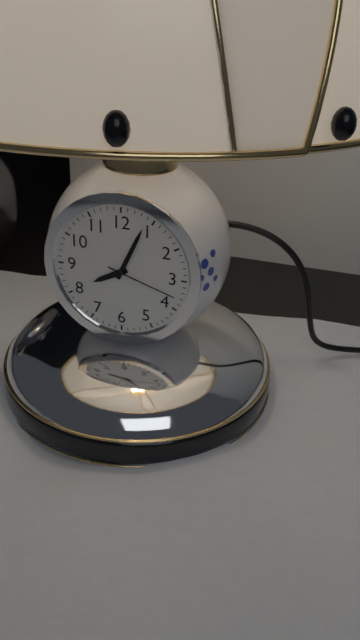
8:04:18
